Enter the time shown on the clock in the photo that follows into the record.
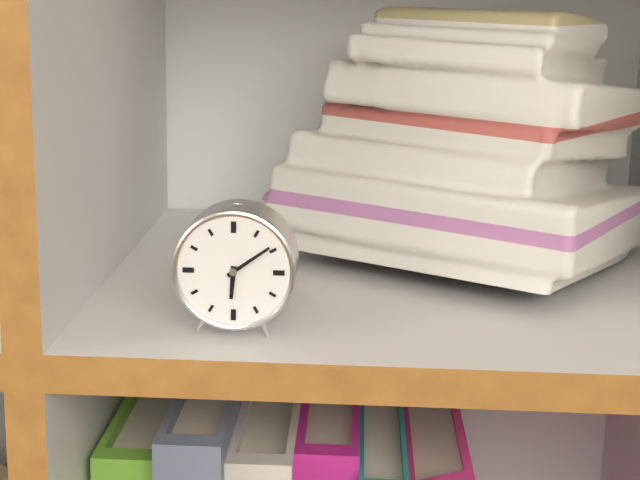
6:09
